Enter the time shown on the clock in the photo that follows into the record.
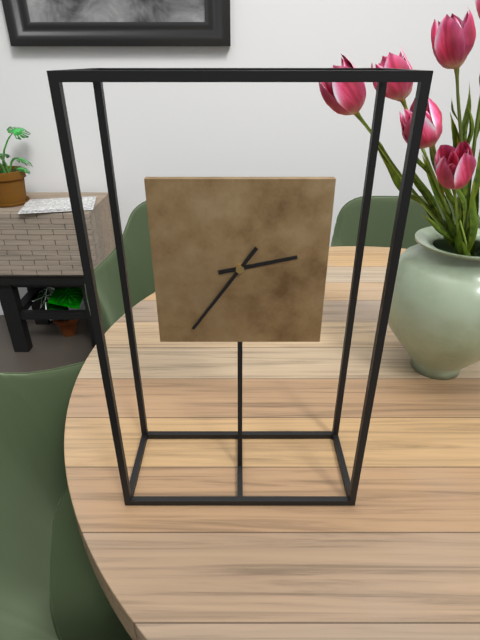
2:36
